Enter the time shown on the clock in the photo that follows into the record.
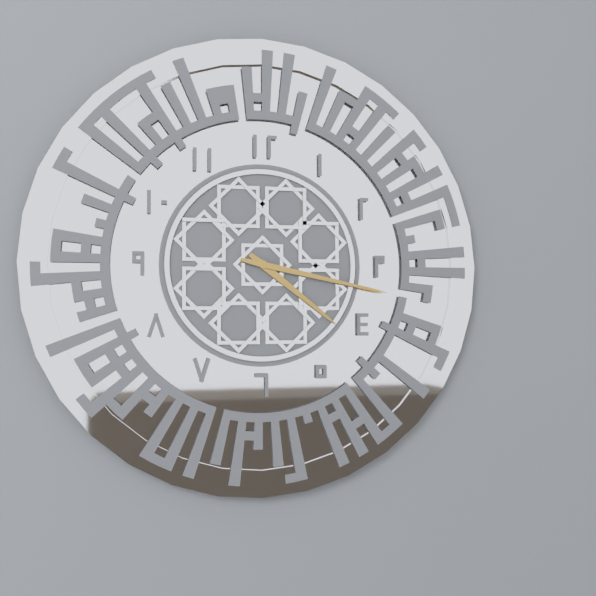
4:17
